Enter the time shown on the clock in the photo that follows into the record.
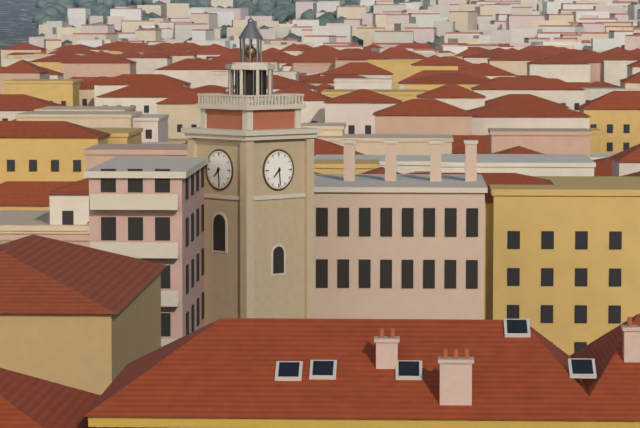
7:29
